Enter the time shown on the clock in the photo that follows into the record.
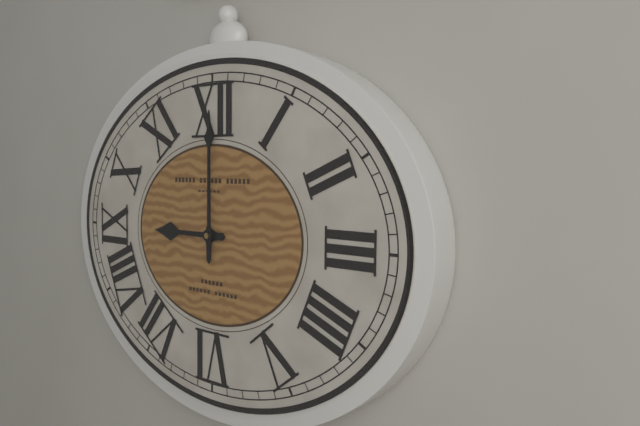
9:00
